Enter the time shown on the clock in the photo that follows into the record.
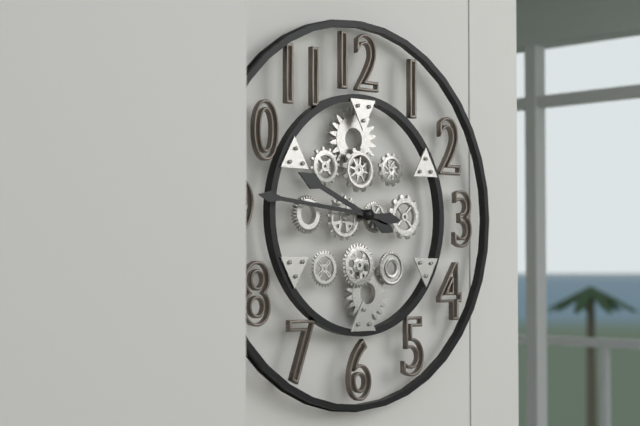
9:46
